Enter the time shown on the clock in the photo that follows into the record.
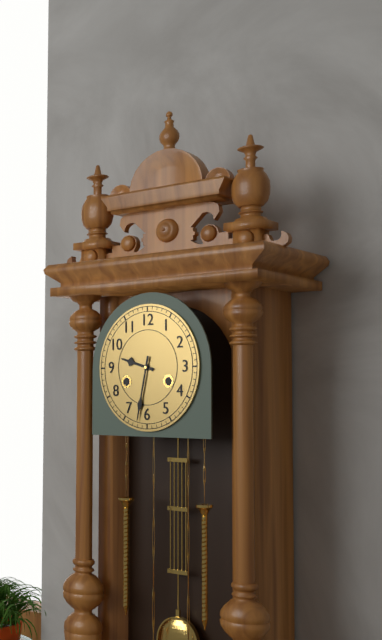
9:32
